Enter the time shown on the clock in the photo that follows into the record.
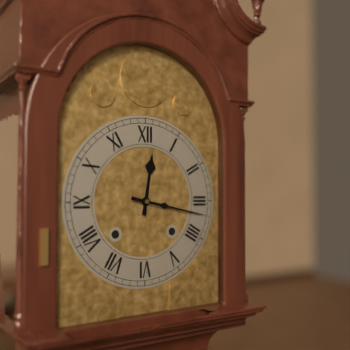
12:17
